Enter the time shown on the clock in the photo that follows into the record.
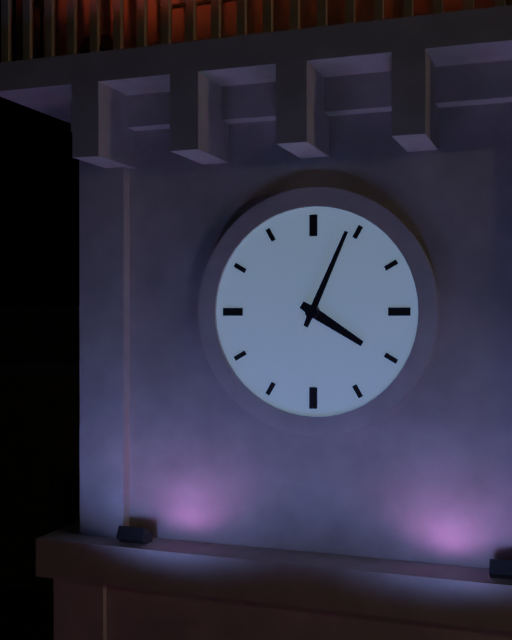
4:04
